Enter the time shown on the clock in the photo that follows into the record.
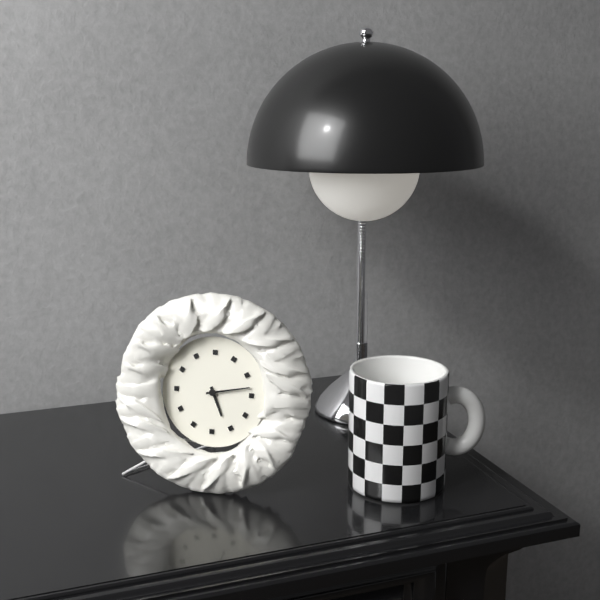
5:13
